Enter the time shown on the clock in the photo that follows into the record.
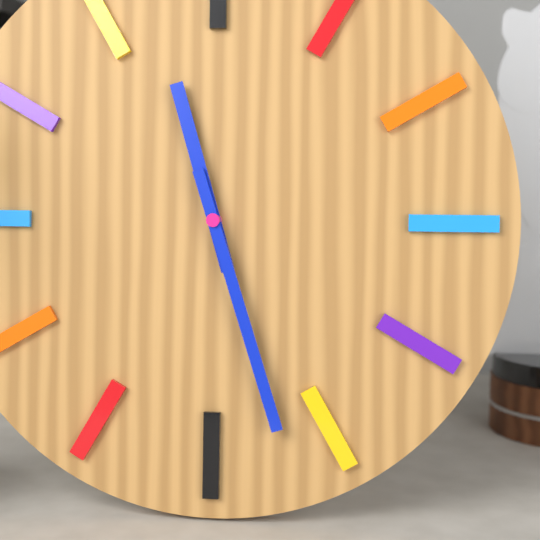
11:27
